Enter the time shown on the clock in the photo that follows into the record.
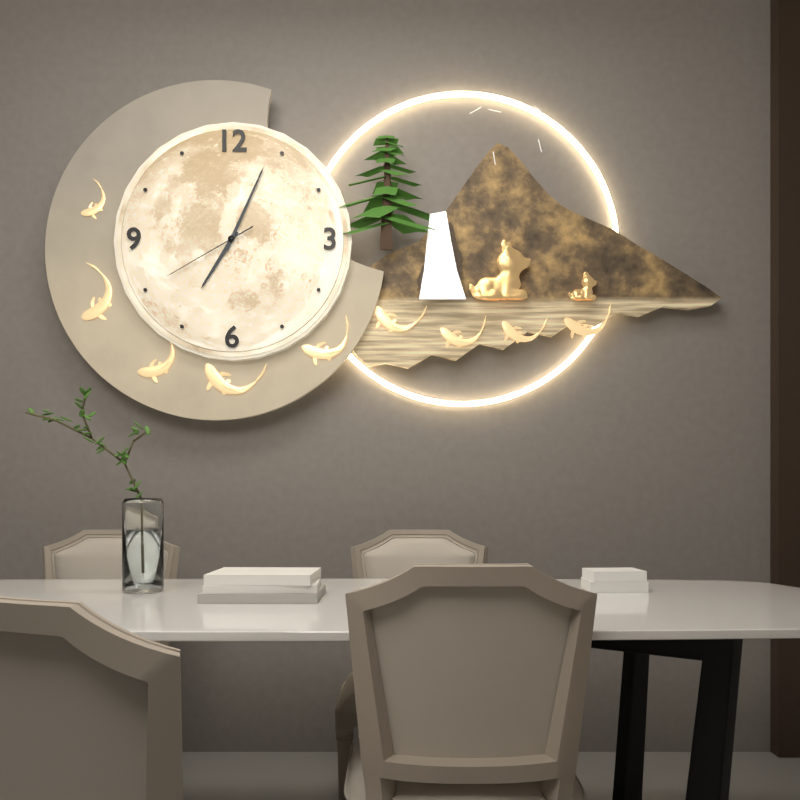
7:04:40
